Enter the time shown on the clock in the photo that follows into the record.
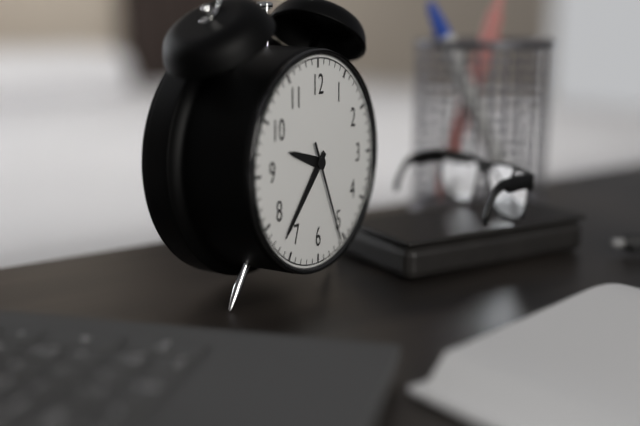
9:37:26
